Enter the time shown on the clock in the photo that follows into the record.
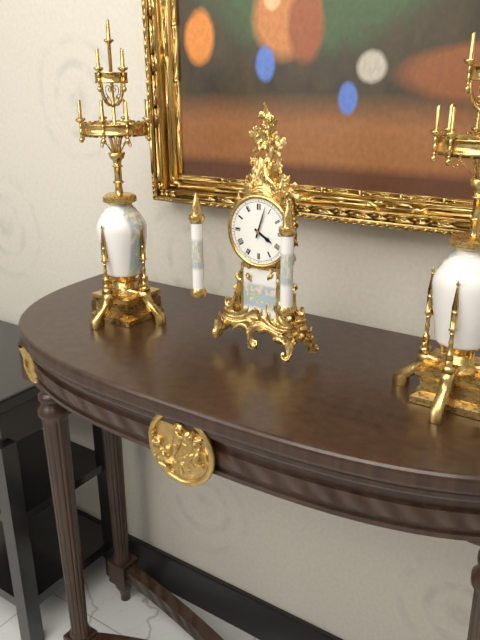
4:03
